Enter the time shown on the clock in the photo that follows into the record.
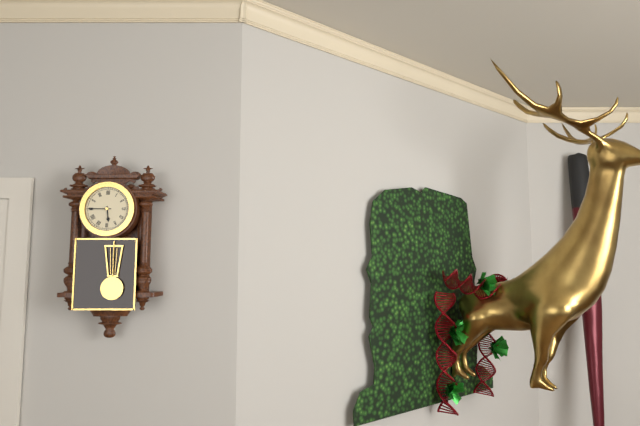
5:45
